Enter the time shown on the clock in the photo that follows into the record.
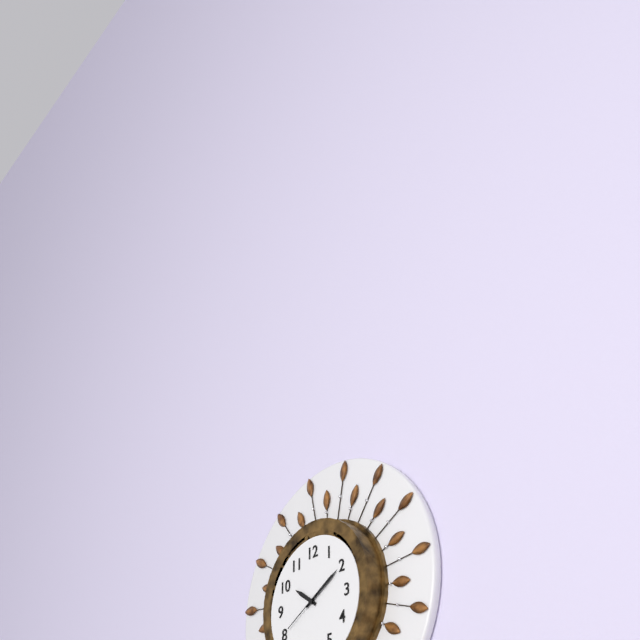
10:10
